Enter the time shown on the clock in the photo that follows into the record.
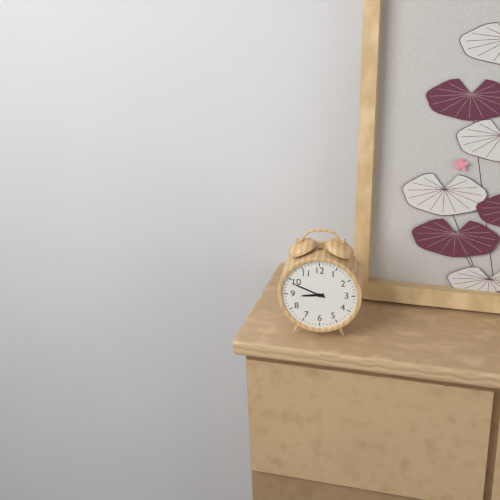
8:49
